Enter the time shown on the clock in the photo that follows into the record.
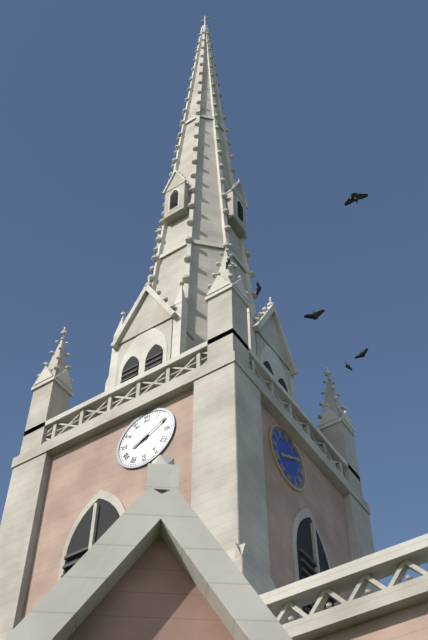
8:10
